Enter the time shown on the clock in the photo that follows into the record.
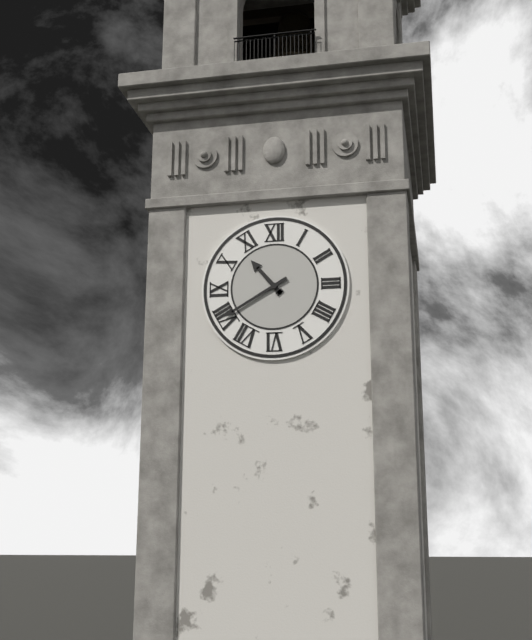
10:40
